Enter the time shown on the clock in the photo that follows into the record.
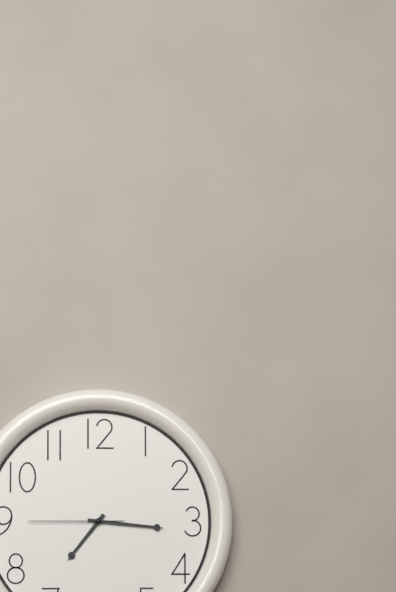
7:16:45
